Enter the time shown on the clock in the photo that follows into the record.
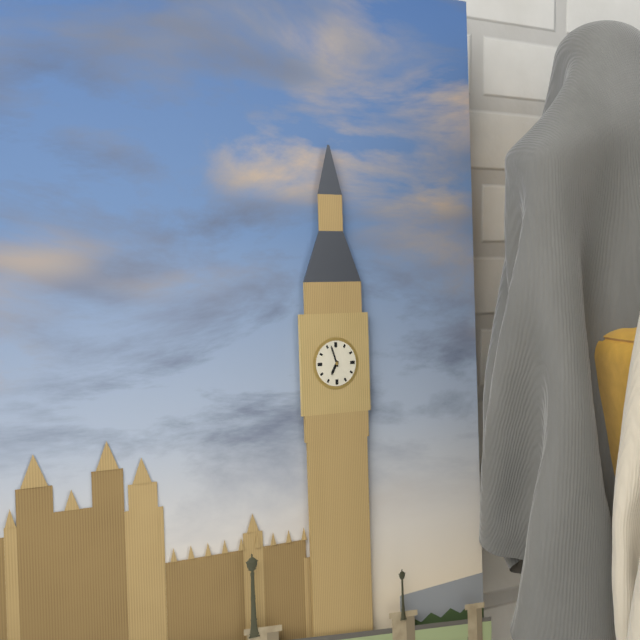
6:57
